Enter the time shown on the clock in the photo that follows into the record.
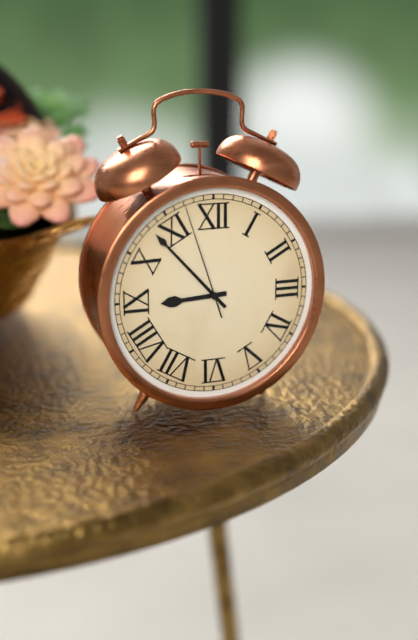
8:53:57
